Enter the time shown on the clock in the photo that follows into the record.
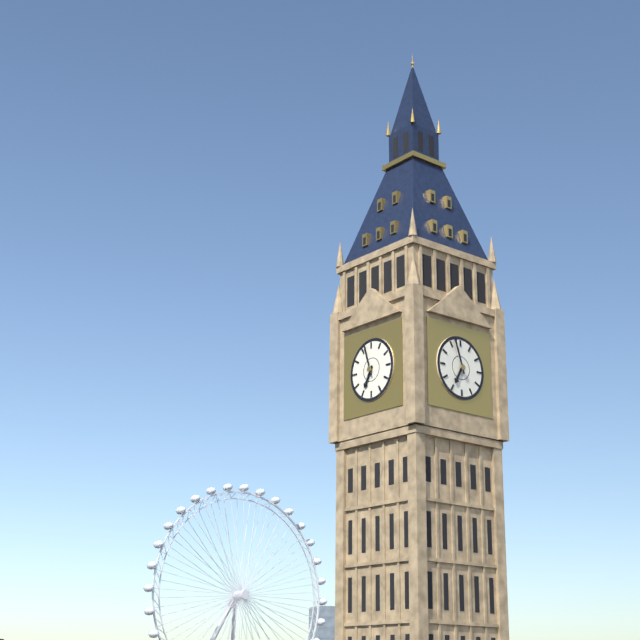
6:57
